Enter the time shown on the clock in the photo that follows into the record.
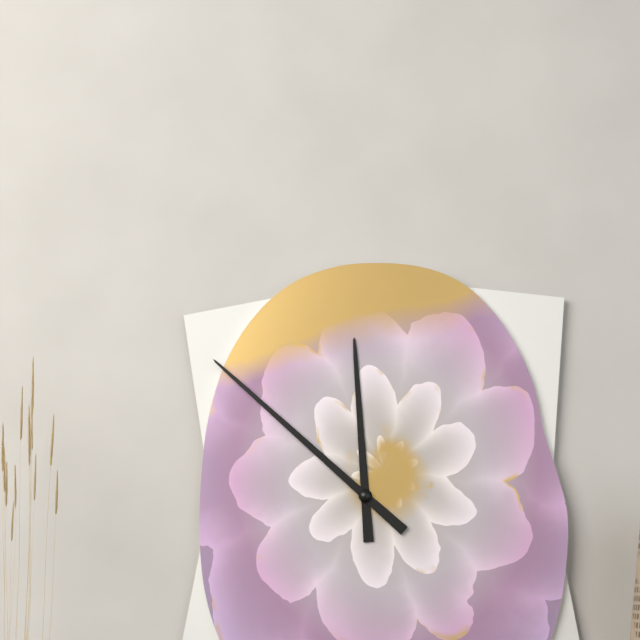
11:52
